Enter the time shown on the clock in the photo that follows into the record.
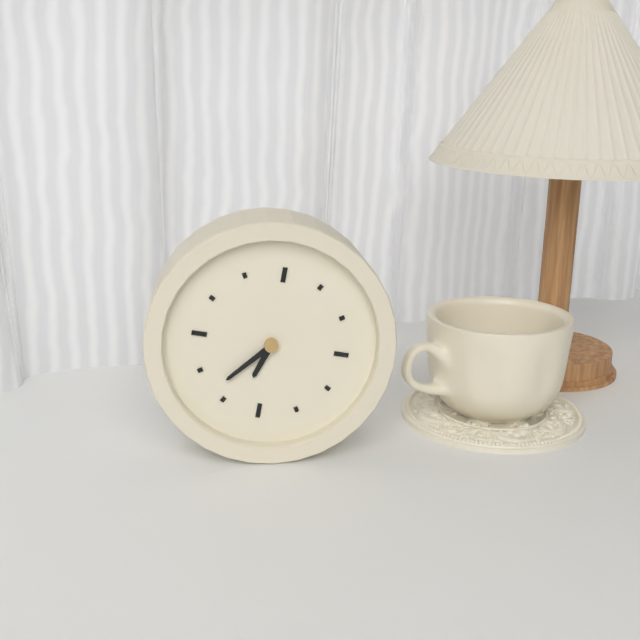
6:37
